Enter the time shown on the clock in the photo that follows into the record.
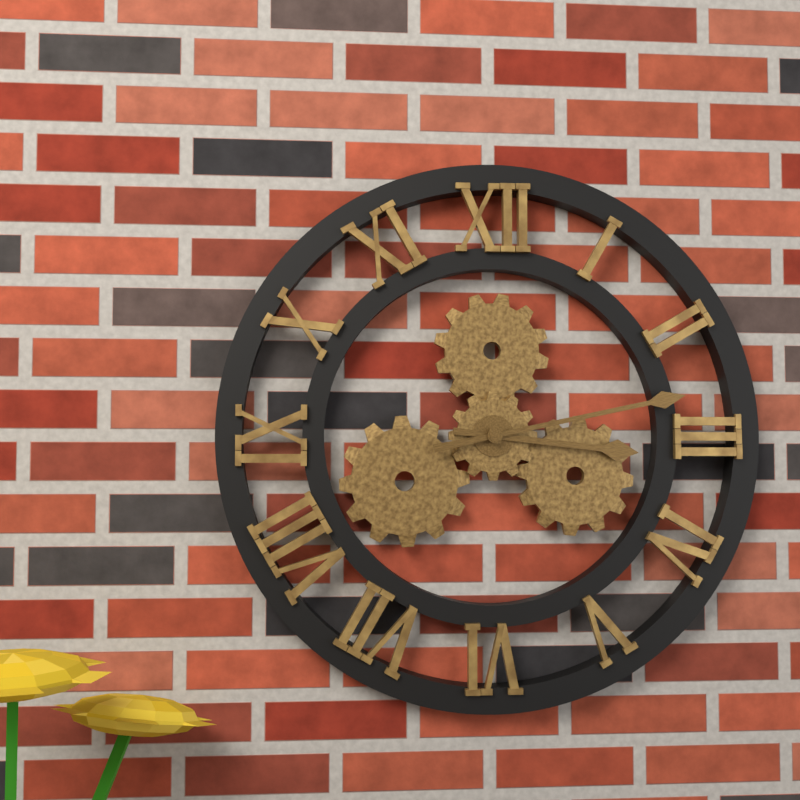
3:13
